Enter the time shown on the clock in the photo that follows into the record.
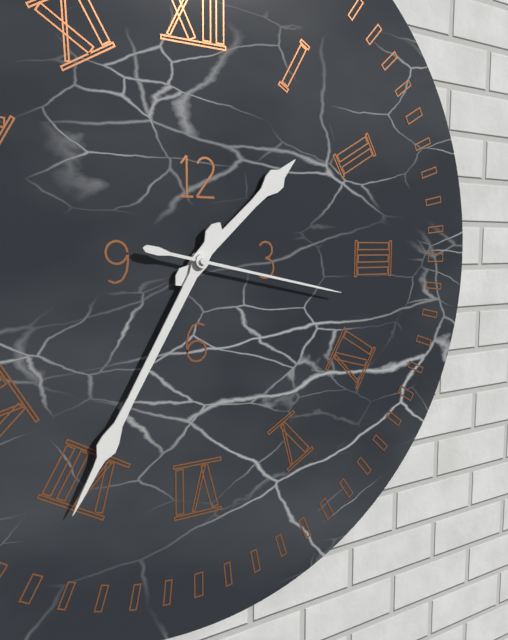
1:35:17
